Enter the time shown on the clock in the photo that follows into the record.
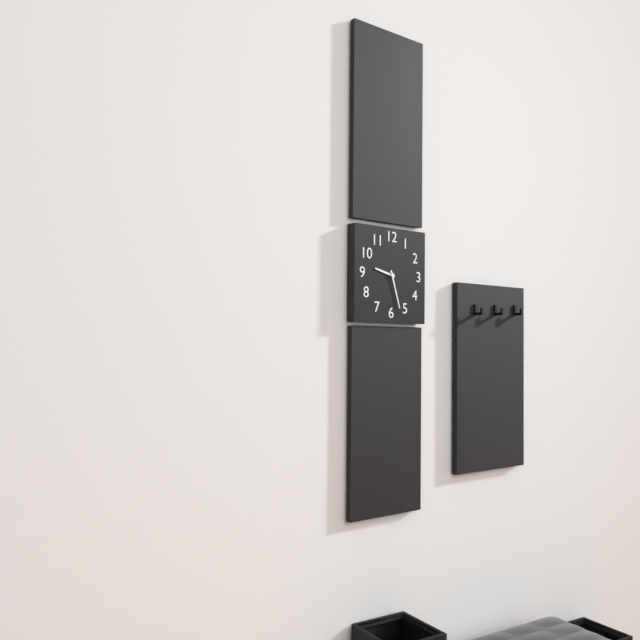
9:27
